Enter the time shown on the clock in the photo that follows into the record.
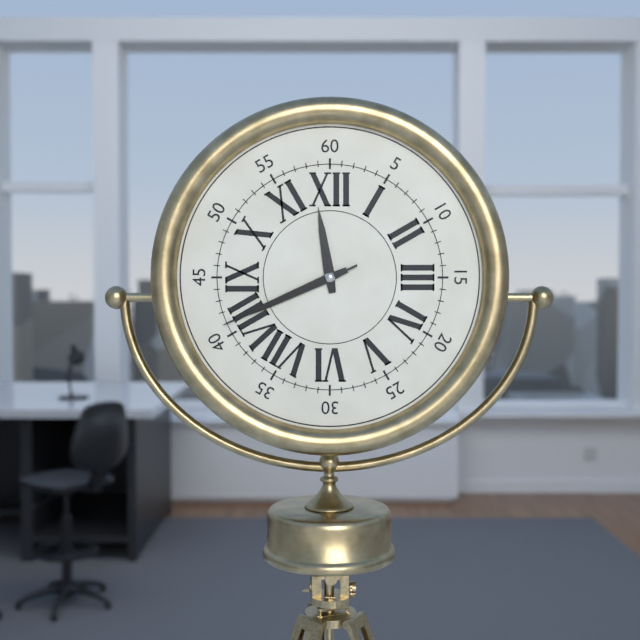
11:41:41
